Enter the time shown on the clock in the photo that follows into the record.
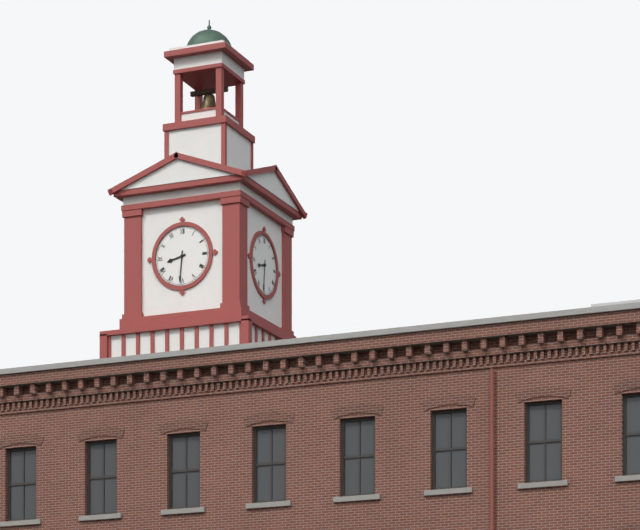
8:31
